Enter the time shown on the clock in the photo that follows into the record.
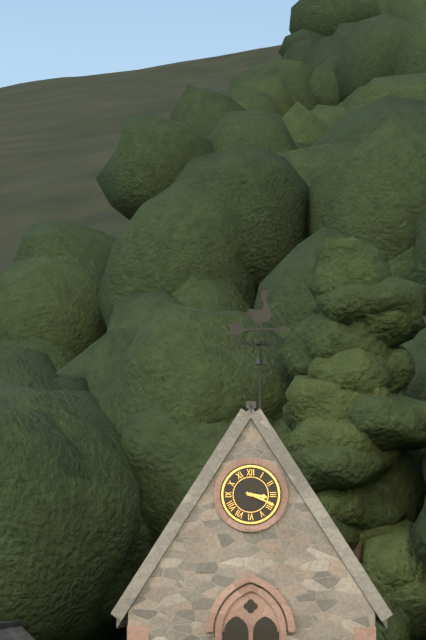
3:19
